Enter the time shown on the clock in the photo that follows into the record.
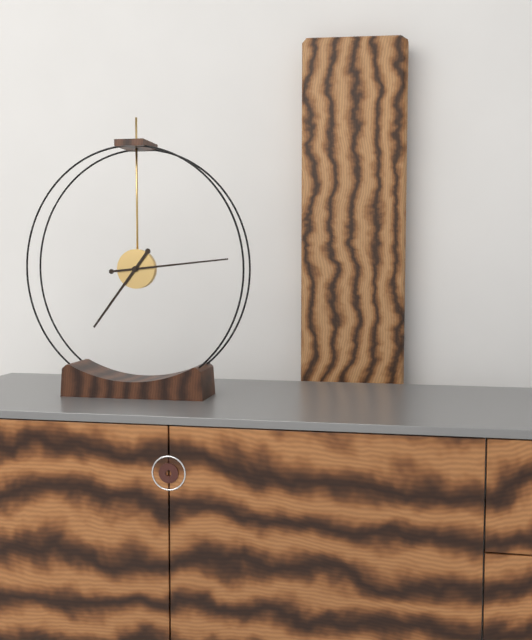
7:14
